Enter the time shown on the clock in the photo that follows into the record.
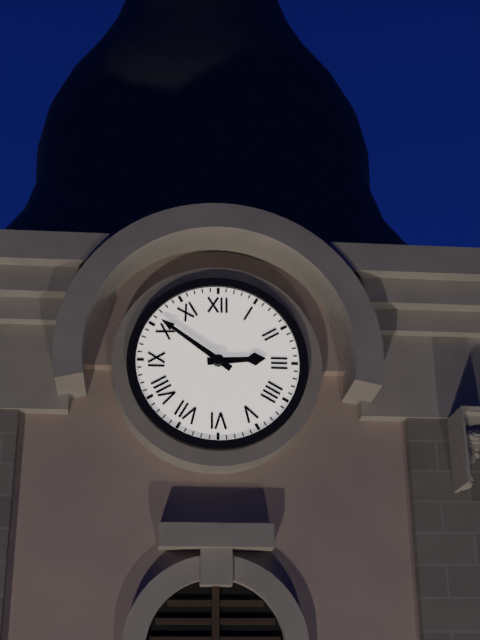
2:51
